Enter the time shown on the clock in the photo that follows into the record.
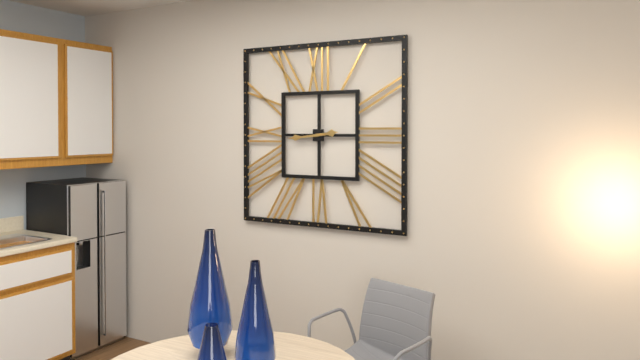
2:44
